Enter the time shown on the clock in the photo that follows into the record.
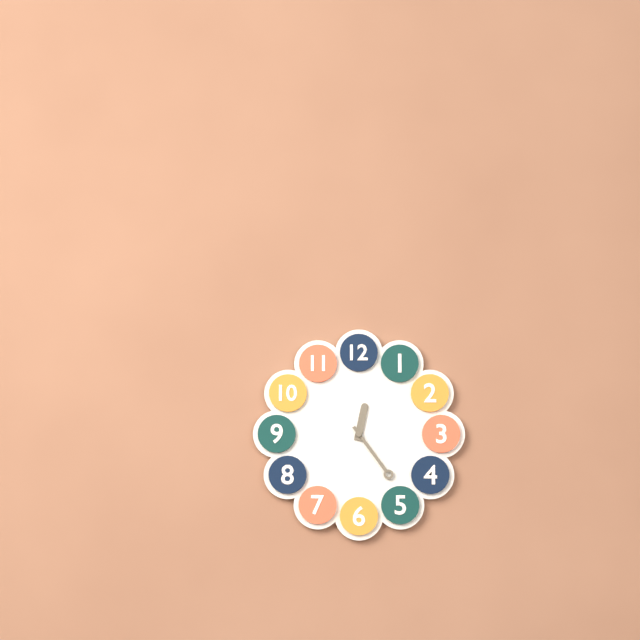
12:24
